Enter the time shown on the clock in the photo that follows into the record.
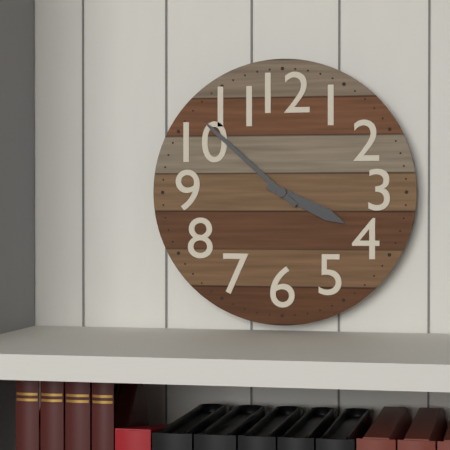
3:52
